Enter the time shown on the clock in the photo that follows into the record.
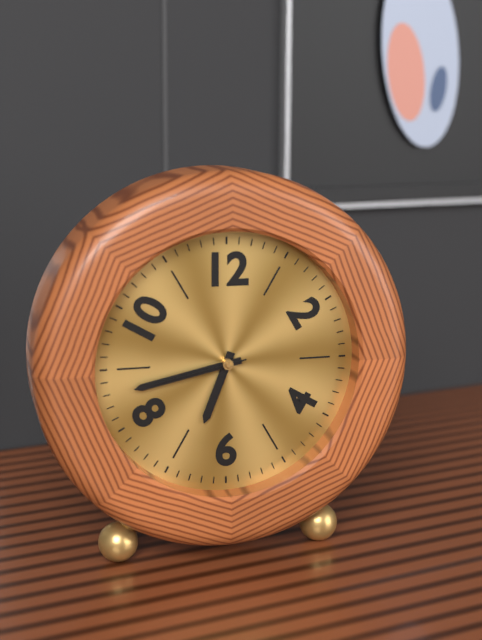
6:43:43
